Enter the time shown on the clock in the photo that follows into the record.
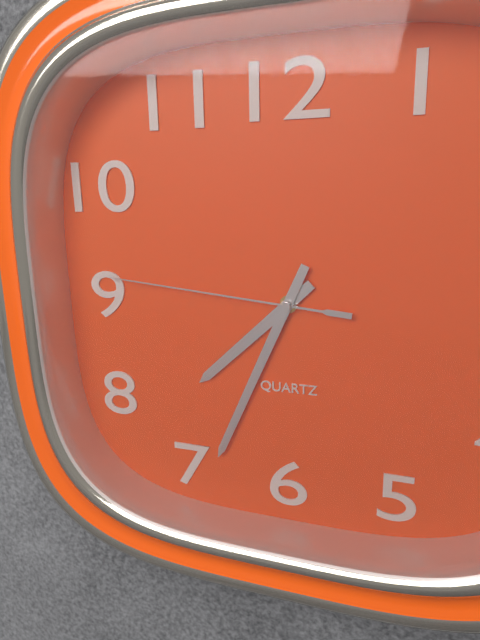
7:34:46
